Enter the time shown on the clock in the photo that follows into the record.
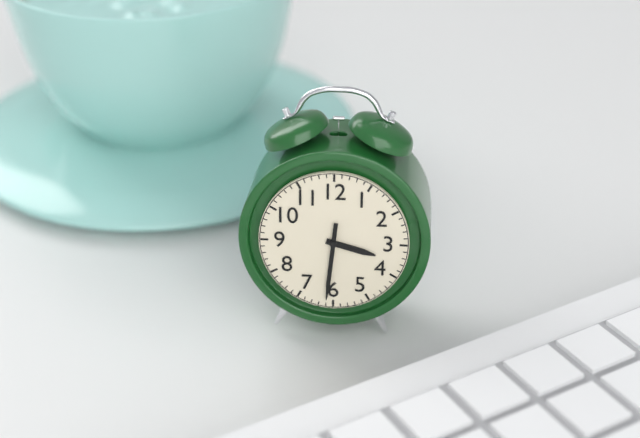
3:31
